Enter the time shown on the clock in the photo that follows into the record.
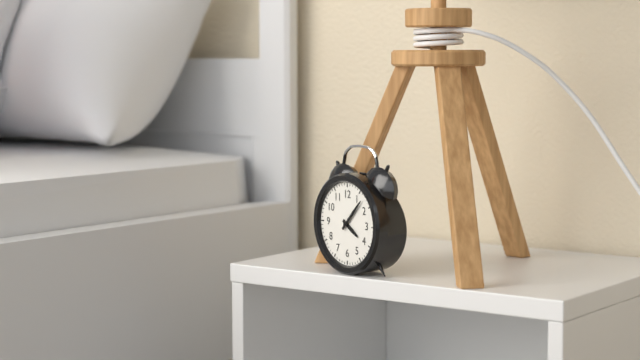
4:07
